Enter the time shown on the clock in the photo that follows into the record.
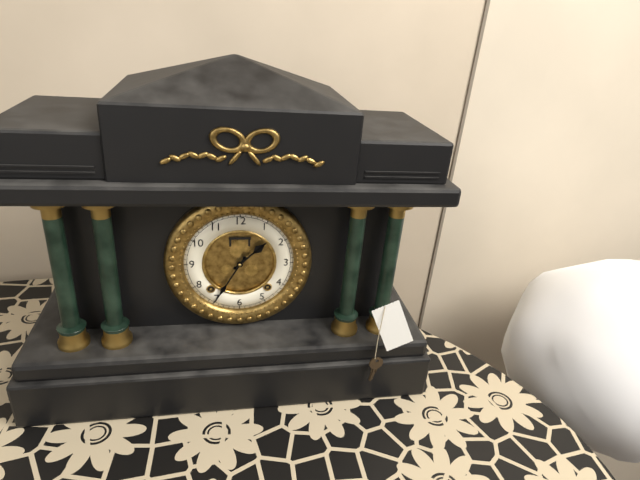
1:35
